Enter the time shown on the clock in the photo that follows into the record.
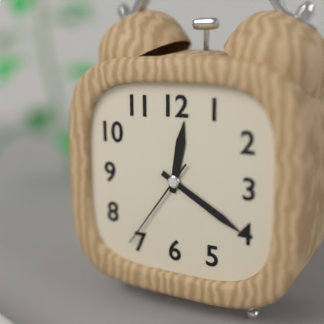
12:20:36
